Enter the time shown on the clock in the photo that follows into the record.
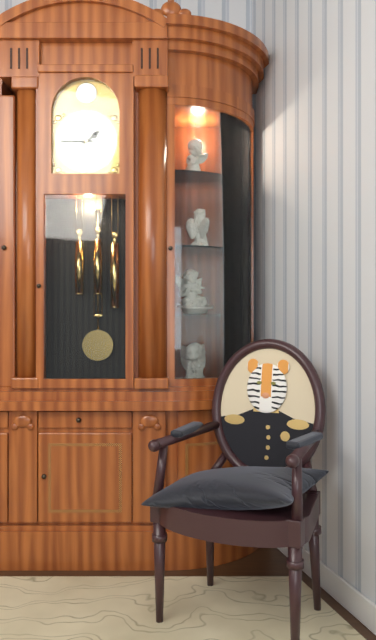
1:45
